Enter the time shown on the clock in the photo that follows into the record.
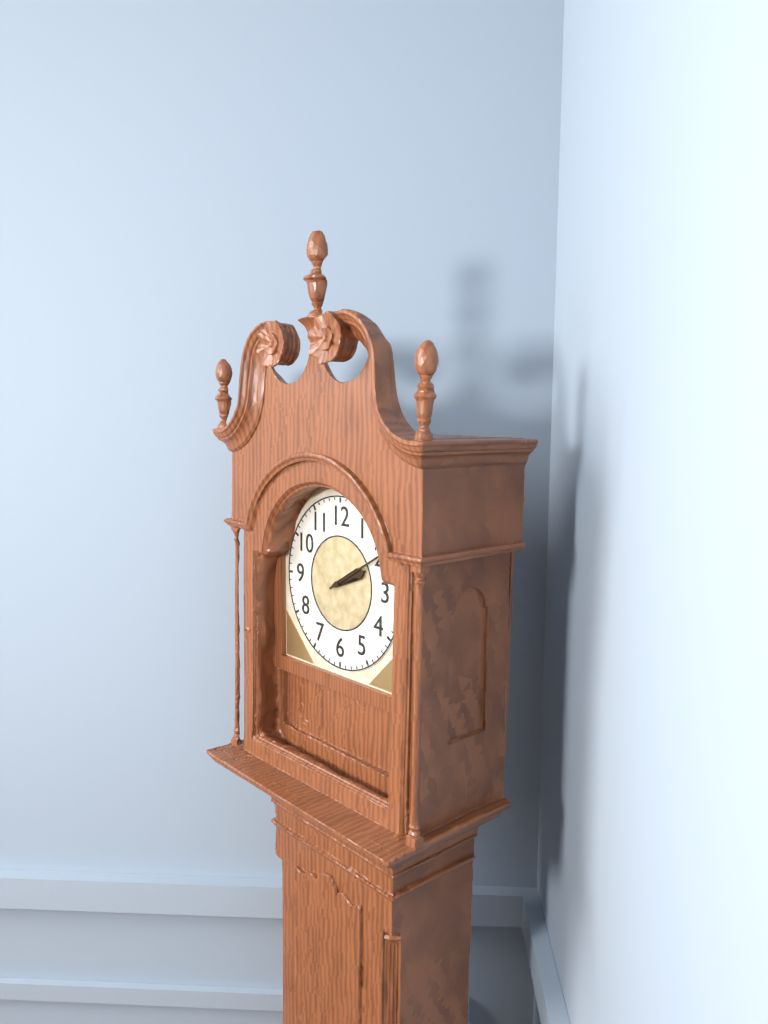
2:10
